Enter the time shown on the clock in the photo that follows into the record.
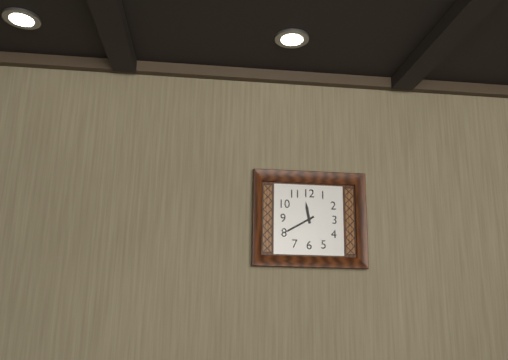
11:40
